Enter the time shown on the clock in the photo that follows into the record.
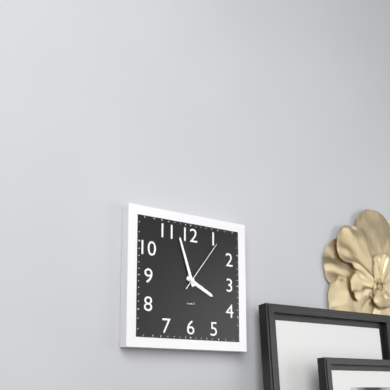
3:57:06
